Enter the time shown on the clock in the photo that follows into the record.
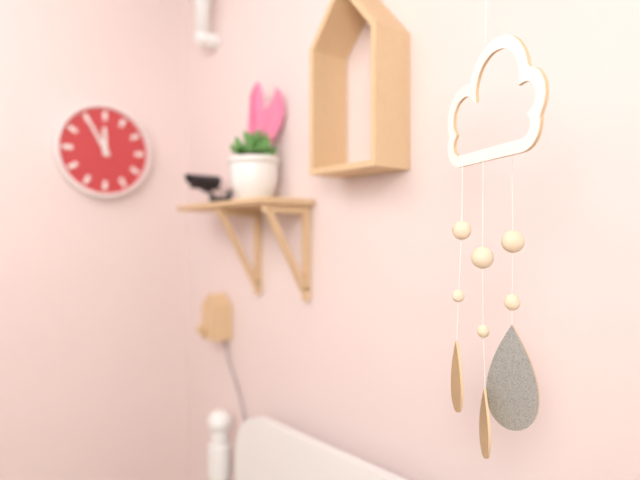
11:55
